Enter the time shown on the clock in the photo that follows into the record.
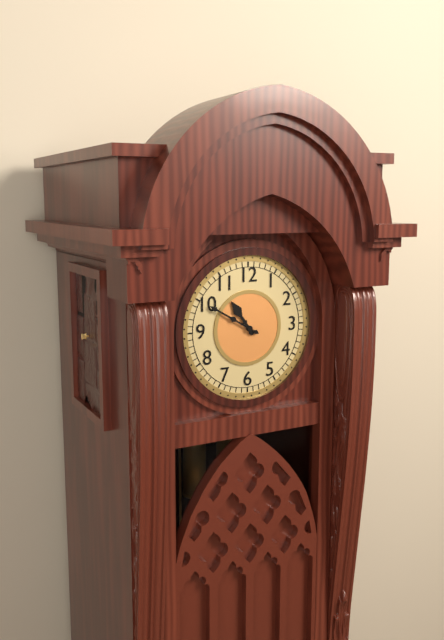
10:50
